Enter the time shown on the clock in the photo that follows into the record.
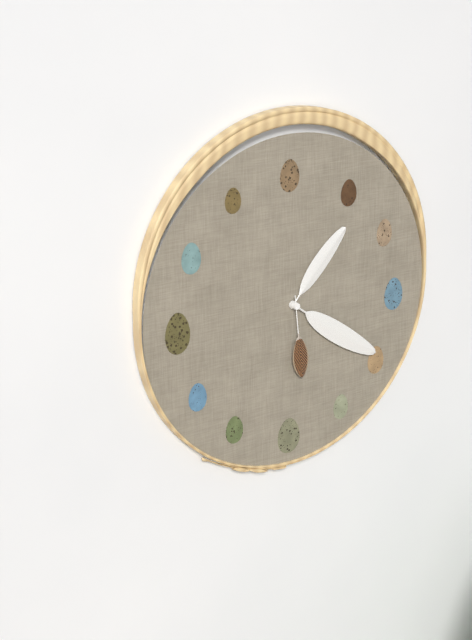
1:21:29
